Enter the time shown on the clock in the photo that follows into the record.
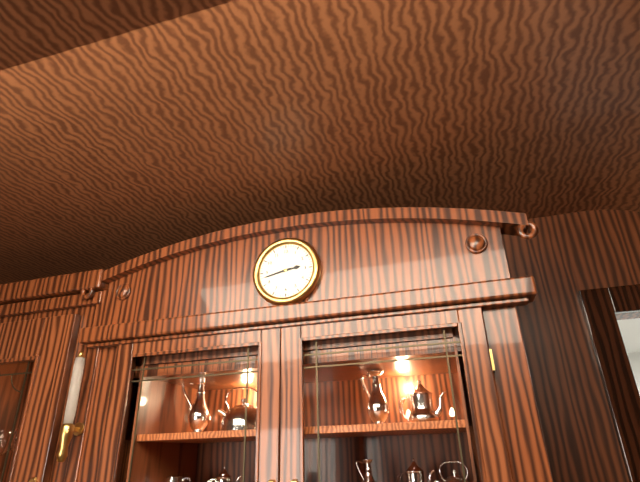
2:43
